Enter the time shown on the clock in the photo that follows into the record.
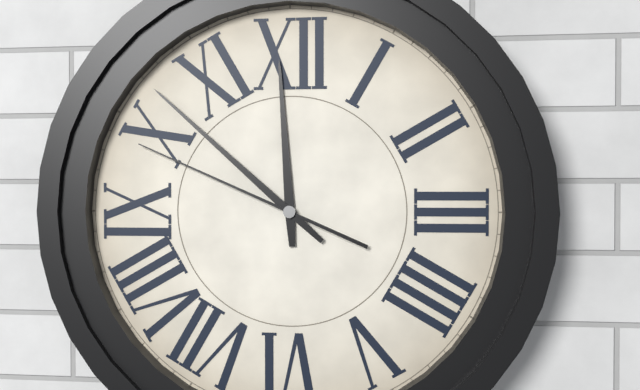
11:52:49
